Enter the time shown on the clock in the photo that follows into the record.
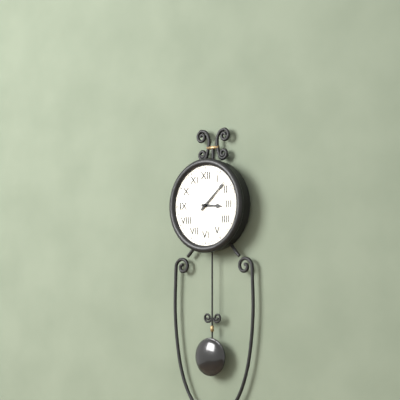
3:08
